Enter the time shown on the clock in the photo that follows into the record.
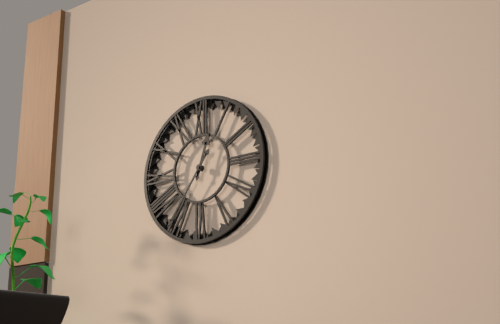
12:36
